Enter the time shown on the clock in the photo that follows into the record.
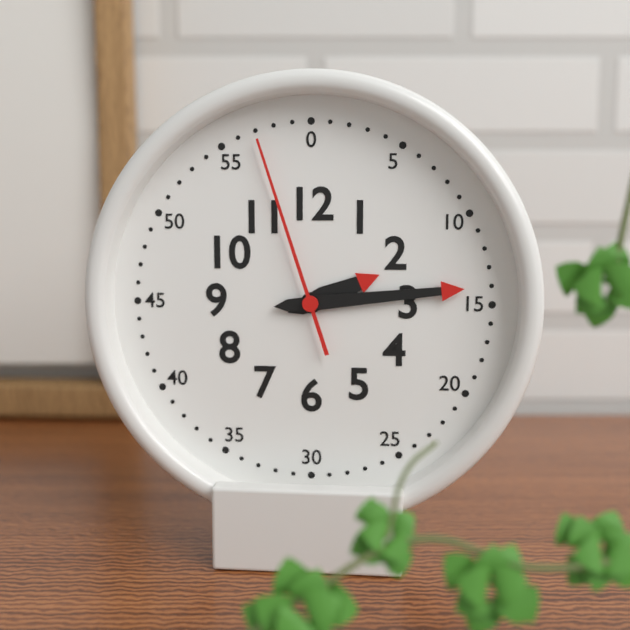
2:14:57
